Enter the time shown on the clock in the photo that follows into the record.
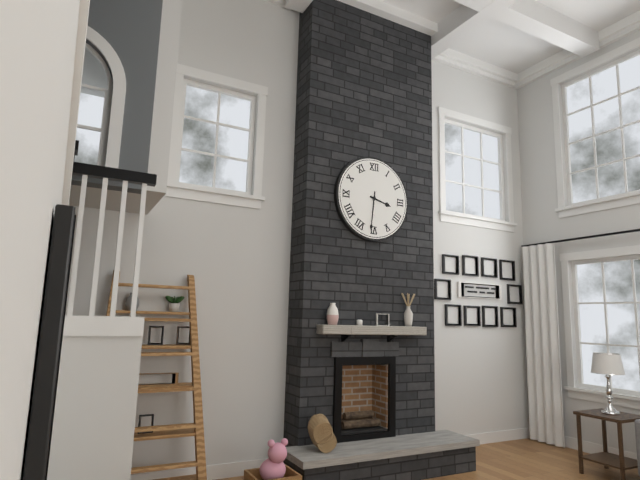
3:31
